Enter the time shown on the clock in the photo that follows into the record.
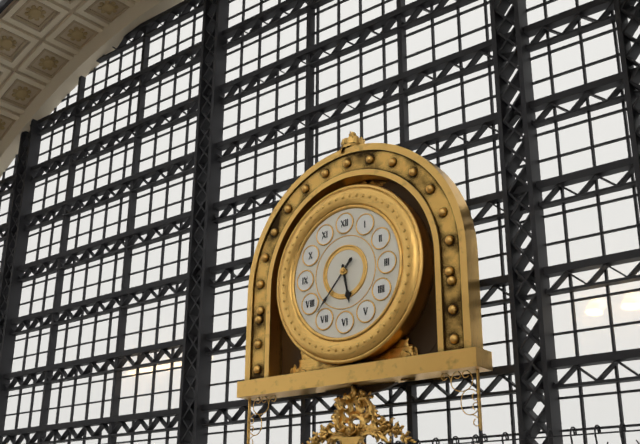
5:37
